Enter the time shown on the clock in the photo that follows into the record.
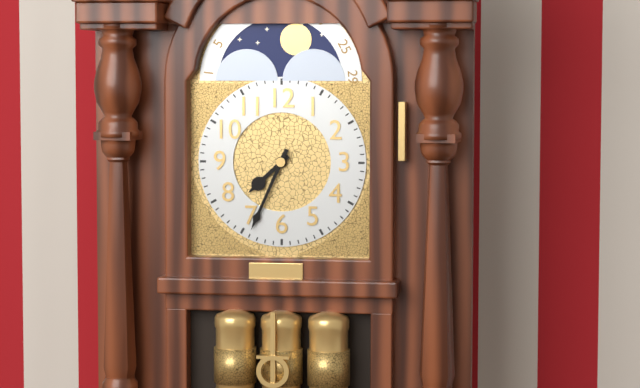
7:34
